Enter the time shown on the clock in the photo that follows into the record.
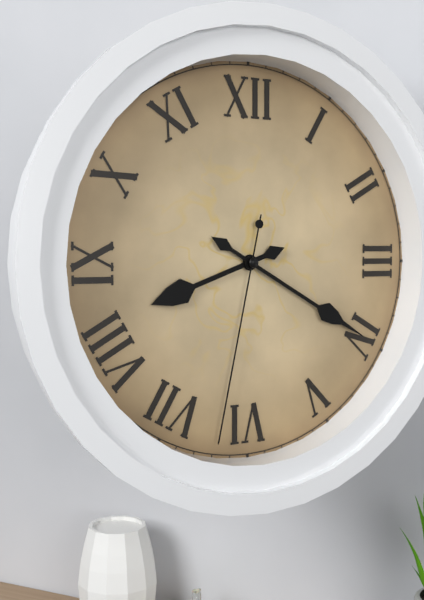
8:20:32
